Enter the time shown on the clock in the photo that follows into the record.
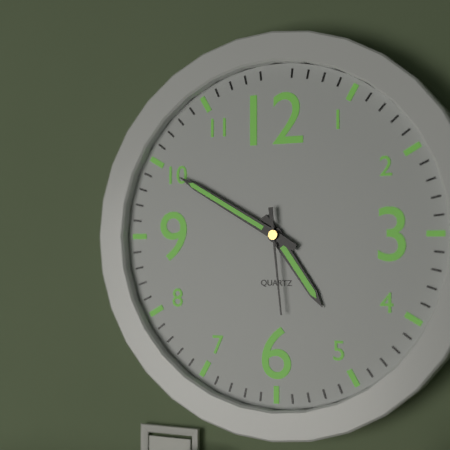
4:50:29
